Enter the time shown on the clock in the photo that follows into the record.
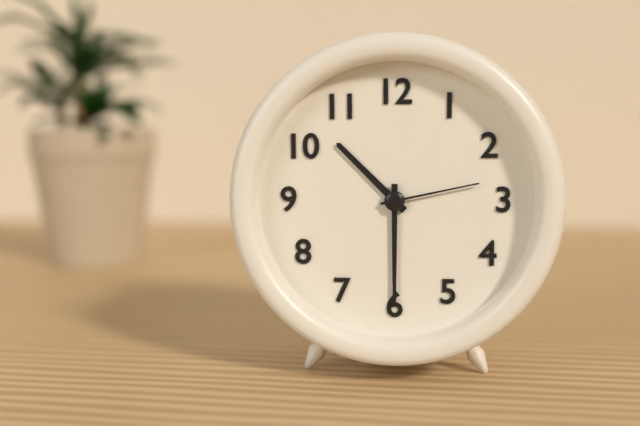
10:30:13
